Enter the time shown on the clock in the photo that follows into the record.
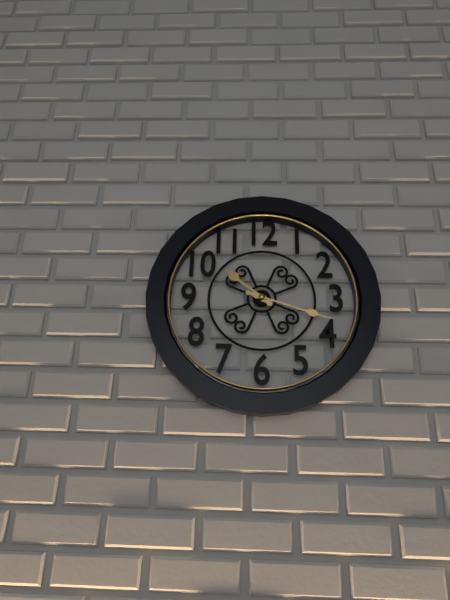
10:18
